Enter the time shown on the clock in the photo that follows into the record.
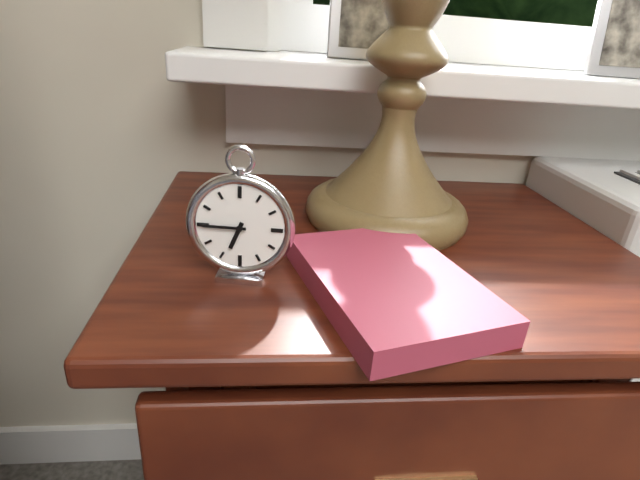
6:45
